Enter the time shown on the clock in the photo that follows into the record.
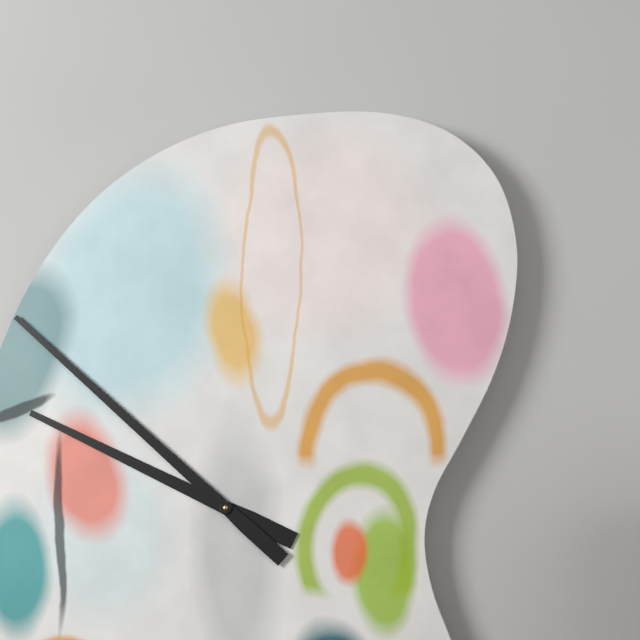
9:52
